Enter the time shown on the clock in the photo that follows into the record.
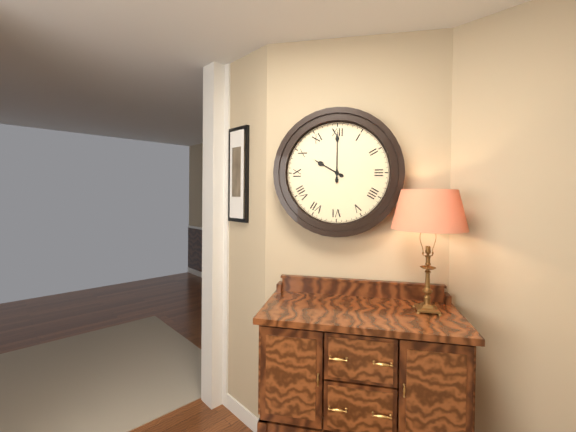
10:00
